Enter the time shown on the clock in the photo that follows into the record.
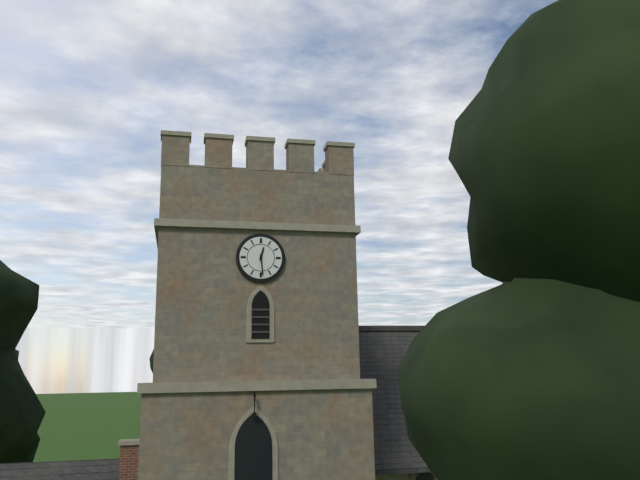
12:29
